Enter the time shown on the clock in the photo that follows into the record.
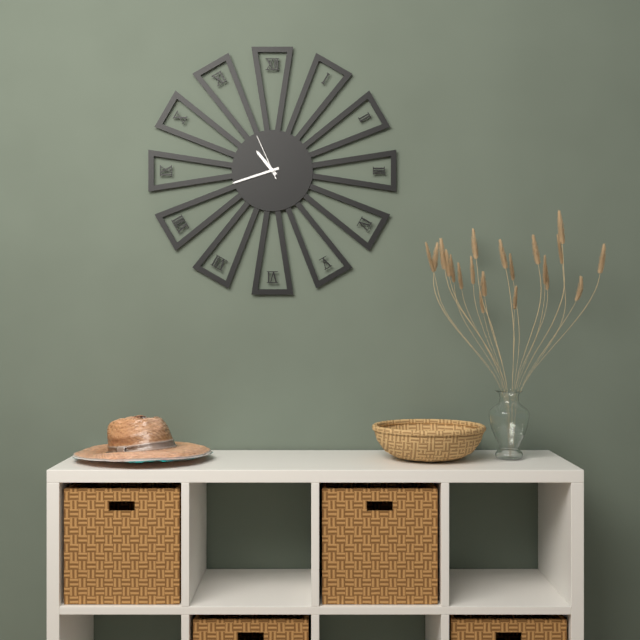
10:42
